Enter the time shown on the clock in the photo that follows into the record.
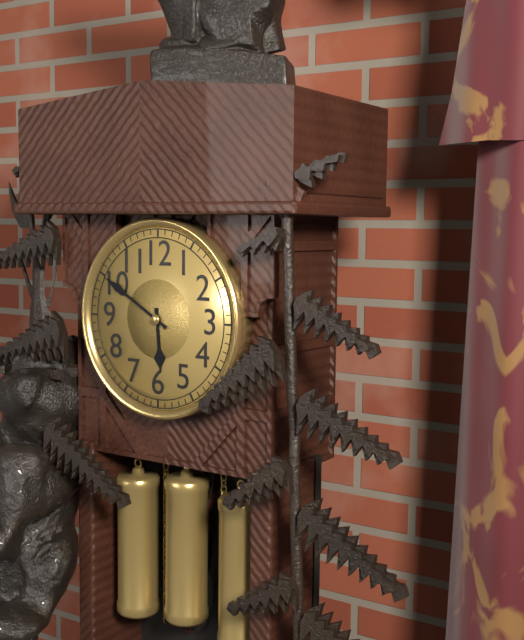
5:50
